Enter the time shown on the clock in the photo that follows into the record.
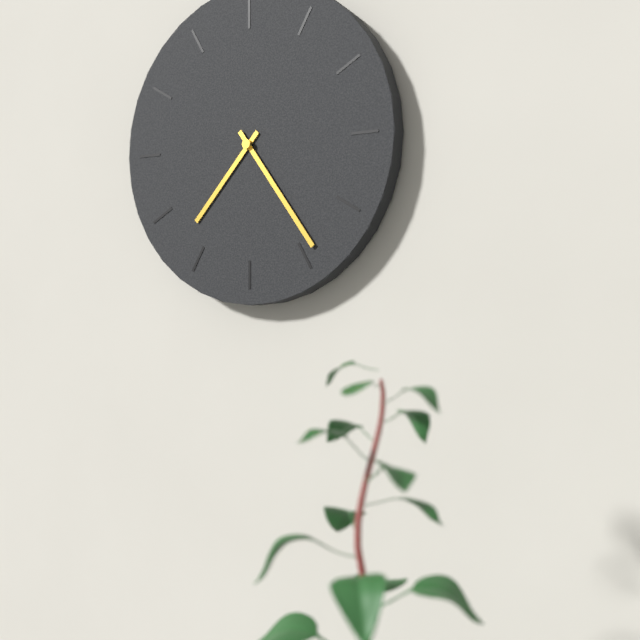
7:24
